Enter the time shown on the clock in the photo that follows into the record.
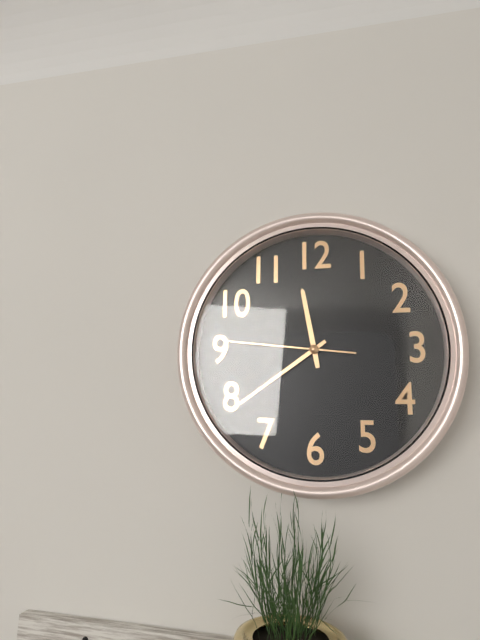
11:39:46
